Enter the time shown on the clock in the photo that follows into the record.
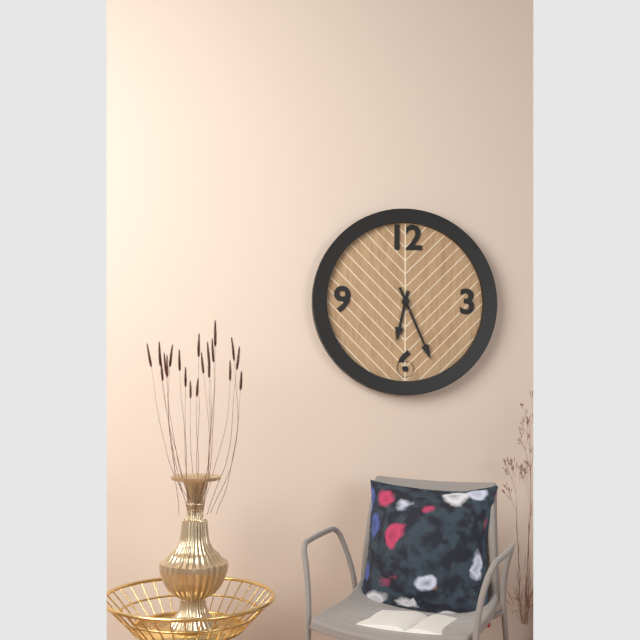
6:26
